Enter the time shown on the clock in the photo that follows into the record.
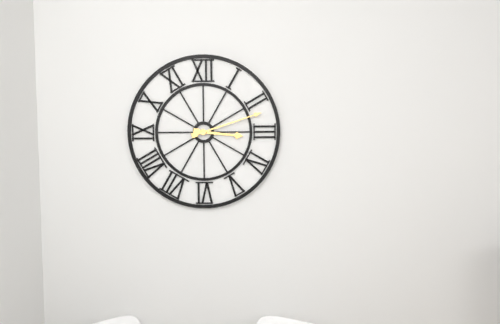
3:12
